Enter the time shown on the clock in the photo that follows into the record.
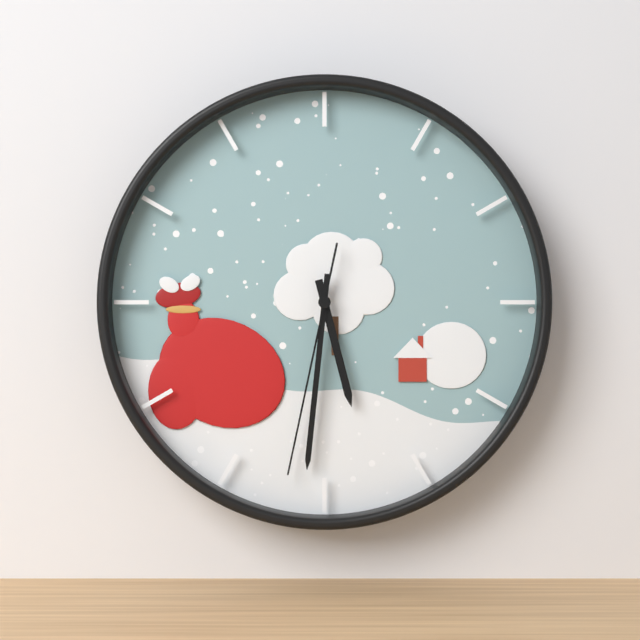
5:31:32
